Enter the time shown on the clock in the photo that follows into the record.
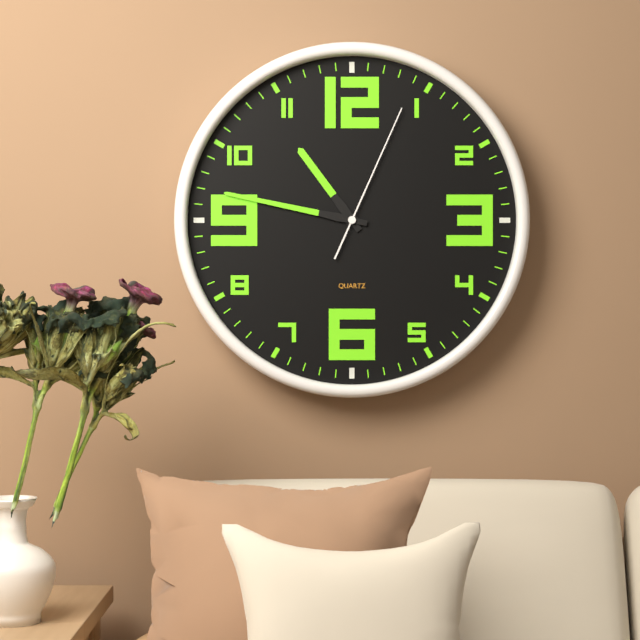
10:47:04
